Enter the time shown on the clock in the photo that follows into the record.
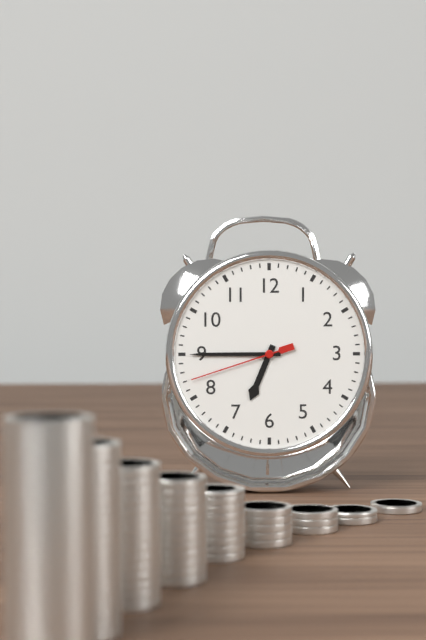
6:45:42
